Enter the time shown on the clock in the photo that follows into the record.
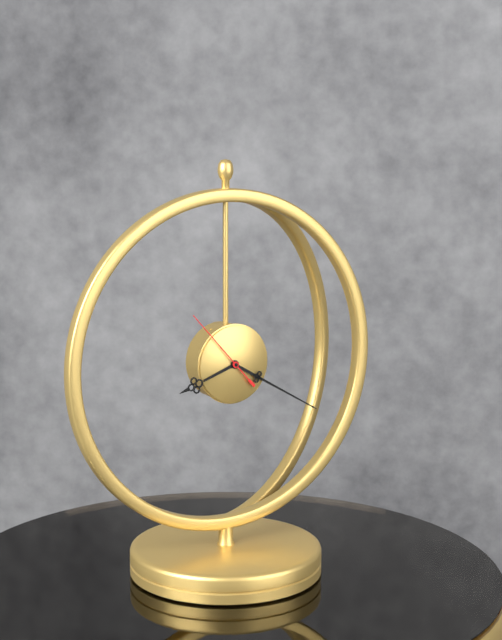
8:20:53
